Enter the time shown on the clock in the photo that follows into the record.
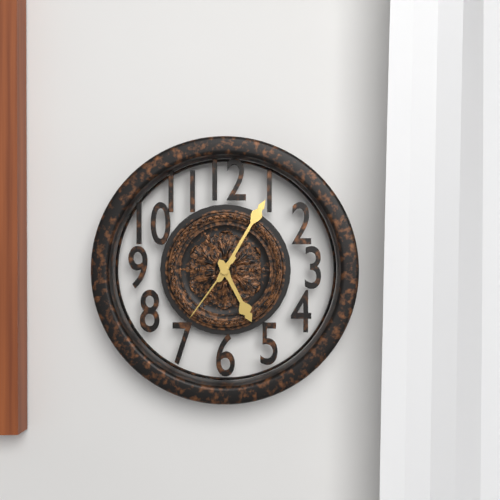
5:05:36
